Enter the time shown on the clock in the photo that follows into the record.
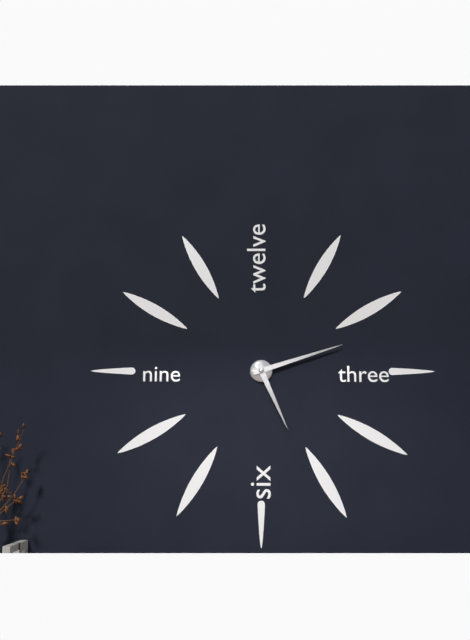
5:12
